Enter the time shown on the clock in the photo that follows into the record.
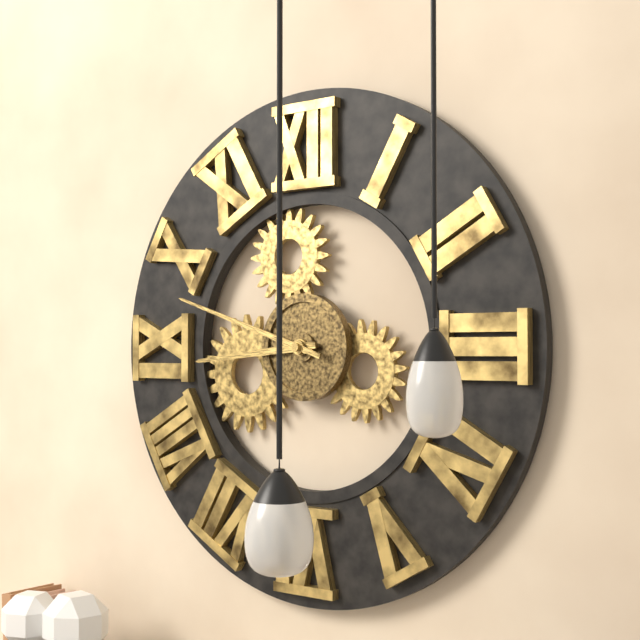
8:48
